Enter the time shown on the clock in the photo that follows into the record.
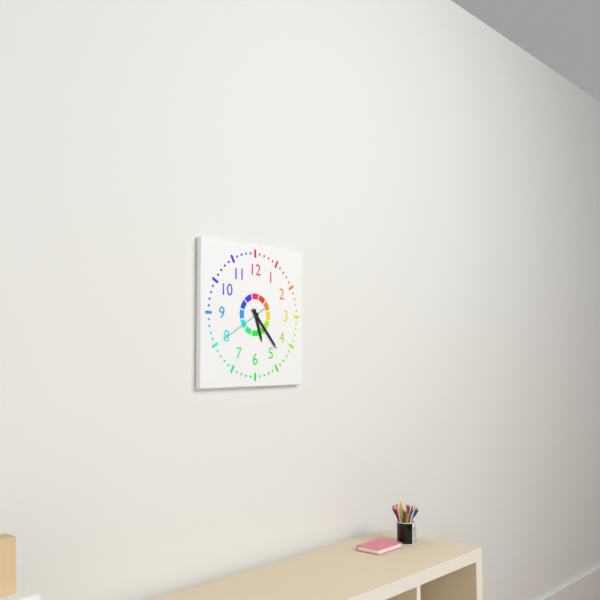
5:23
